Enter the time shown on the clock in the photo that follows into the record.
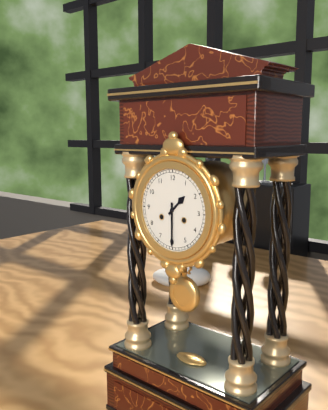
1:30
